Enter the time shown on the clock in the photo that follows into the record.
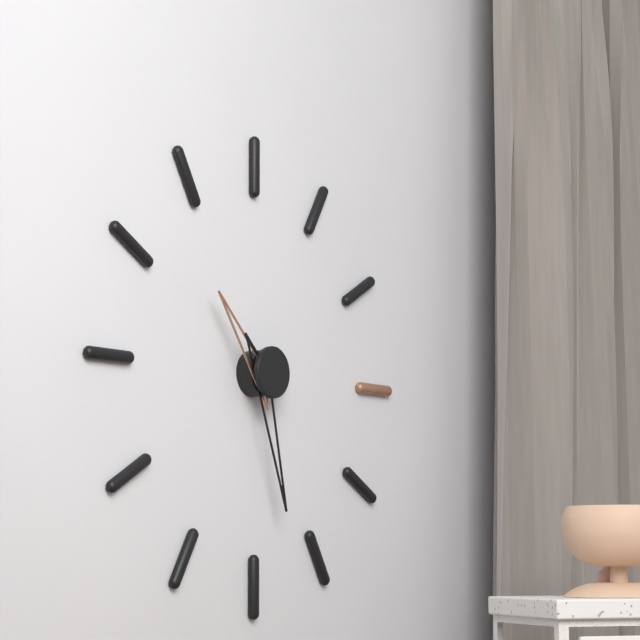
10:28
